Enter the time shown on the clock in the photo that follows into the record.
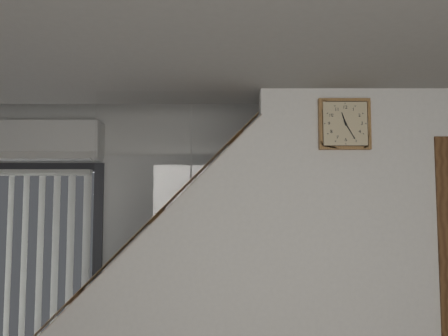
11:25
